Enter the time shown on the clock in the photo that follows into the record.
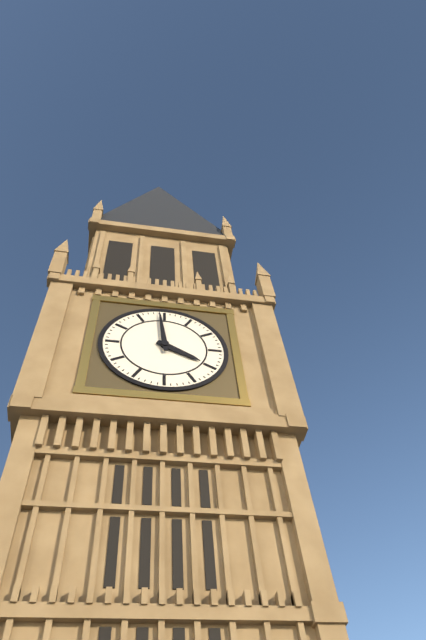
3:59
